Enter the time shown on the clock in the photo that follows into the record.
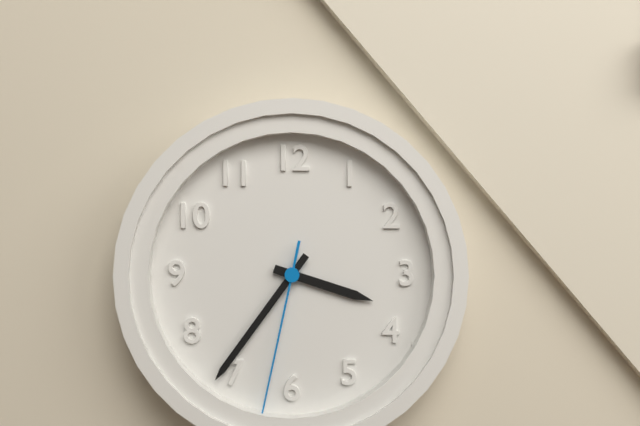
3:36:32
